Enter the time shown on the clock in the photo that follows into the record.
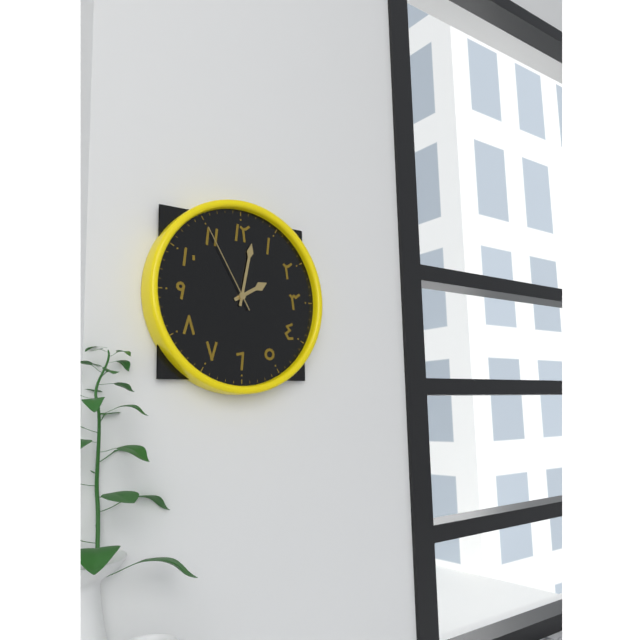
2:02:55
